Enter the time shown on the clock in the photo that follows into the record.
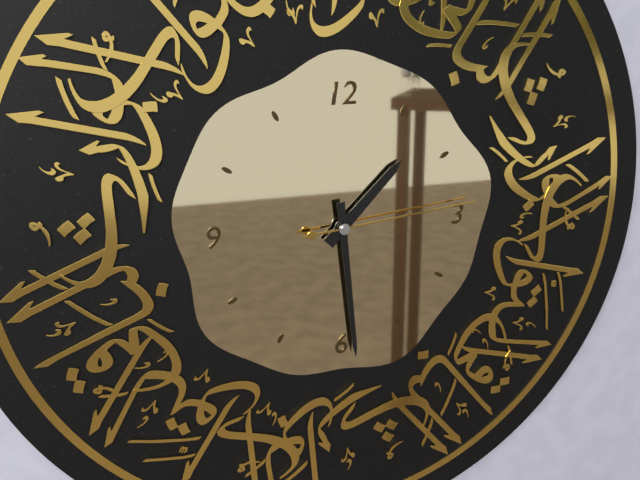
1:29:14
